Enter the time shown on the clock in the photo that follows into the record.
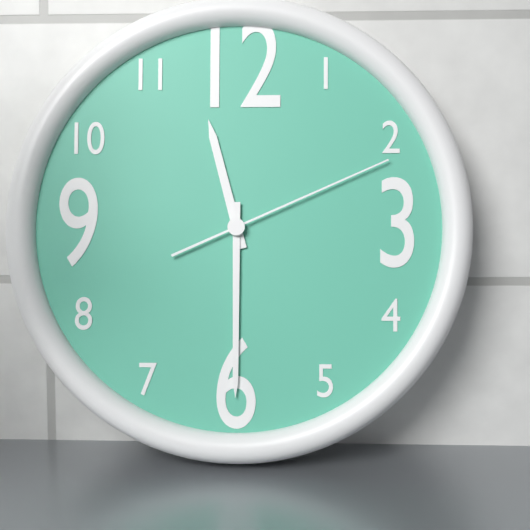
11:30:11
